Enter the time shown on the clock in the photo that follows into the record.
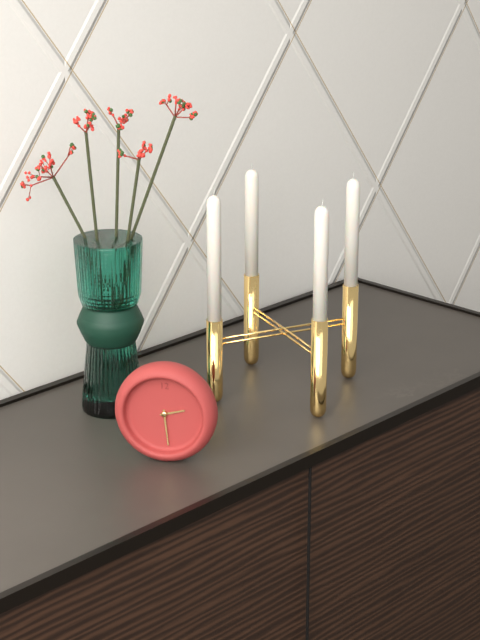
2:29
